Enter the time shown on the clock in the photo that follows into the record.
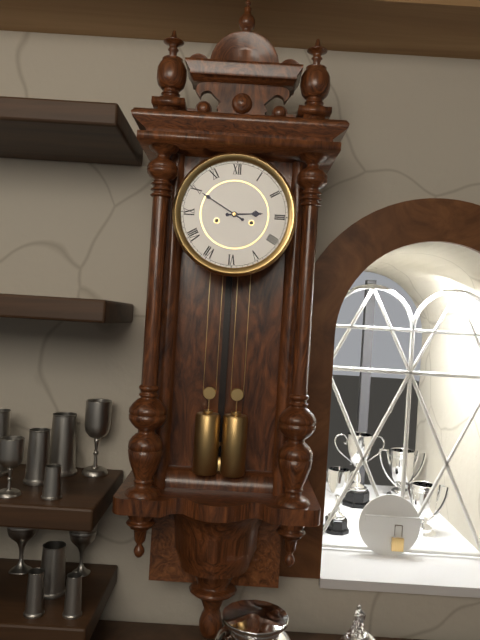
2:50
